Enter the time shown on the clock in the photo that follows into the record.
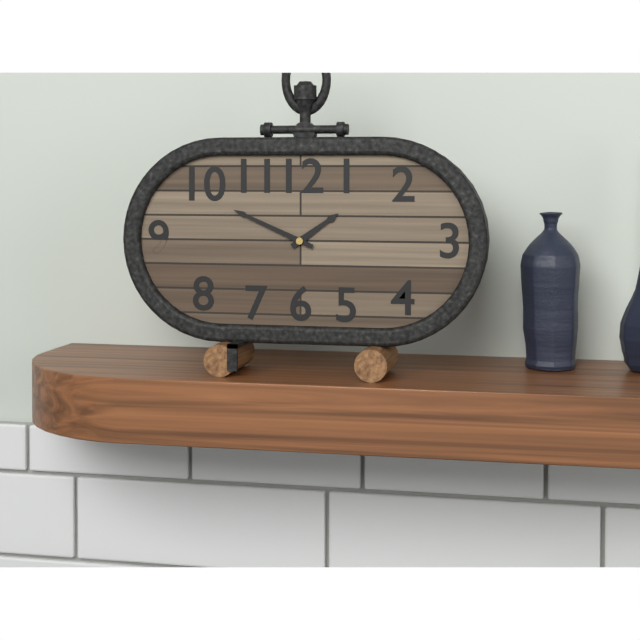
1:49
